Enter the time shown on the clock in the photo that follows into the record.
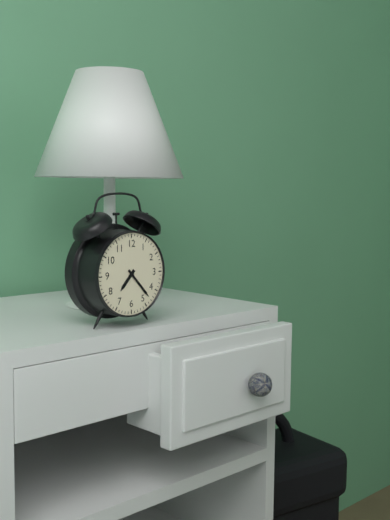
7:23
